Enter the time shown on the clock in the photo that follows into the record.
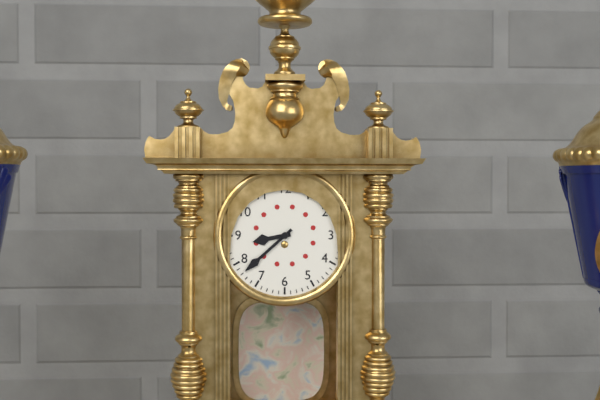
8:38
